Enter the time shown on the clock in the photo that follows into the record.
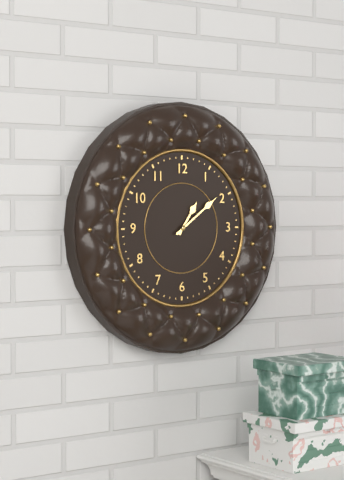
1:09
